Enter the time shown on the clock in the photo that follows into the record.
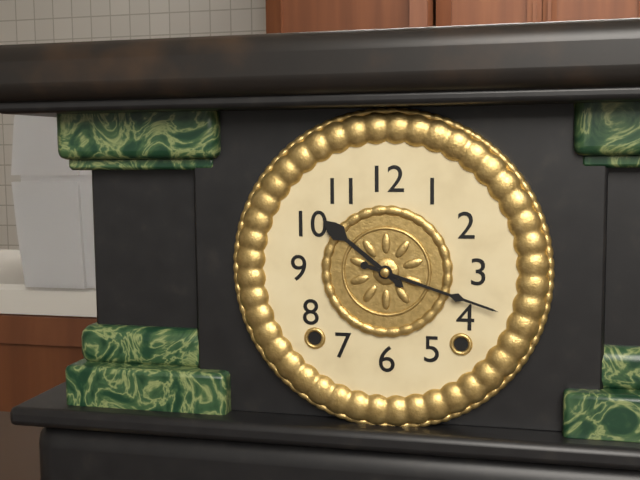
10:18
